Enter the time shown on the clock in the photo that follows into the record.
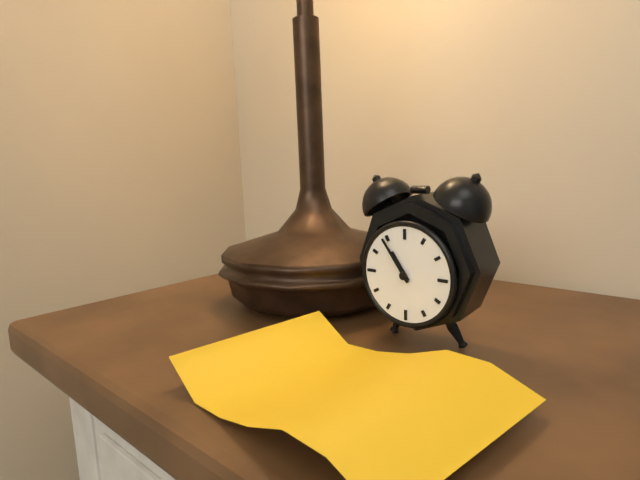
10:54
